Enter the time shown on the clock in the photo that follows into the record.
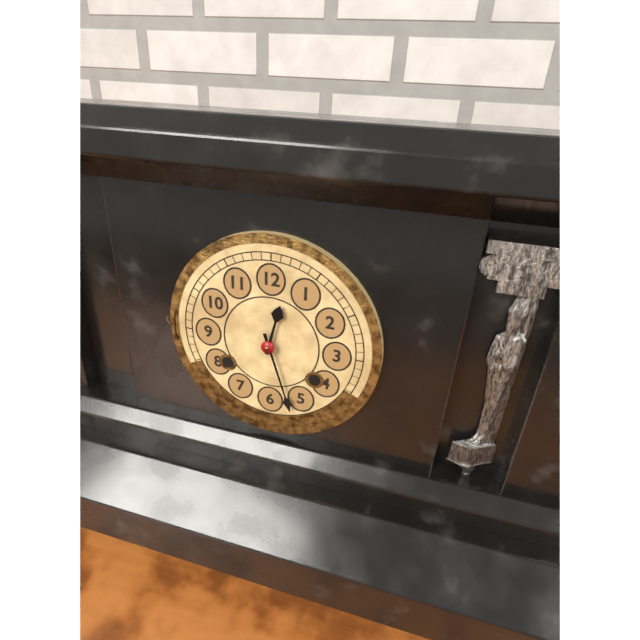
12:27
